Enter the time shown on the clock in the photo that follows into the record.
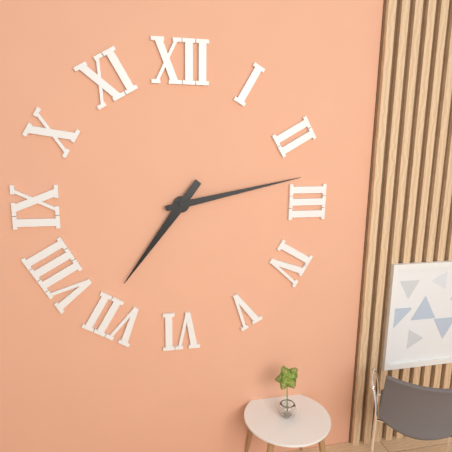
7:13
